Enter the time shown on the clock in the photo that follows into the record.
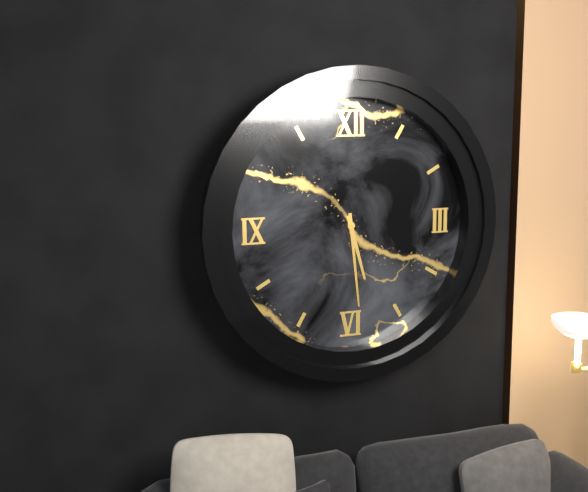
5:29
